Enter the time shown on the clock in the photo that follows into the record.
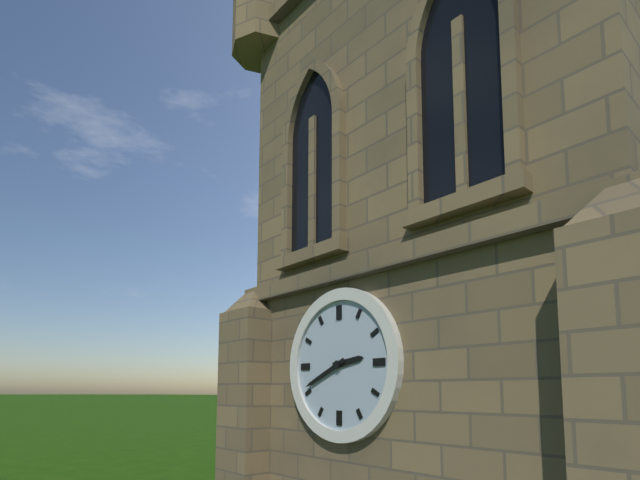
2:41
